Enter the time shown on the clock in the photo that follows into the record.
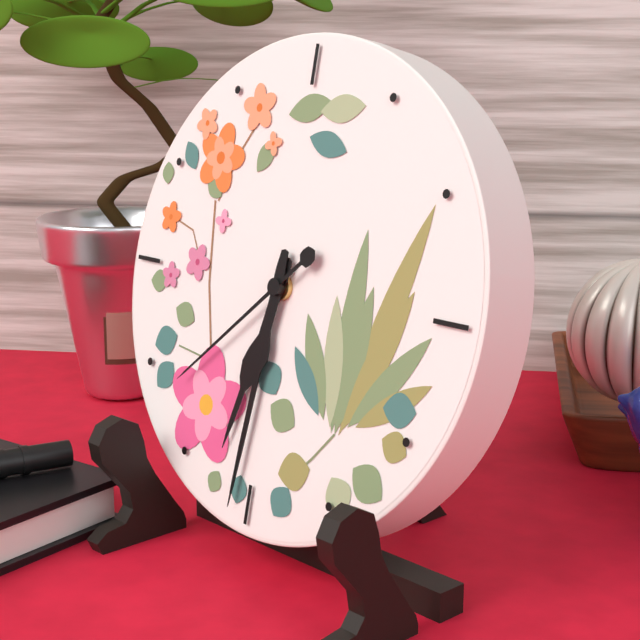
6:31:38
